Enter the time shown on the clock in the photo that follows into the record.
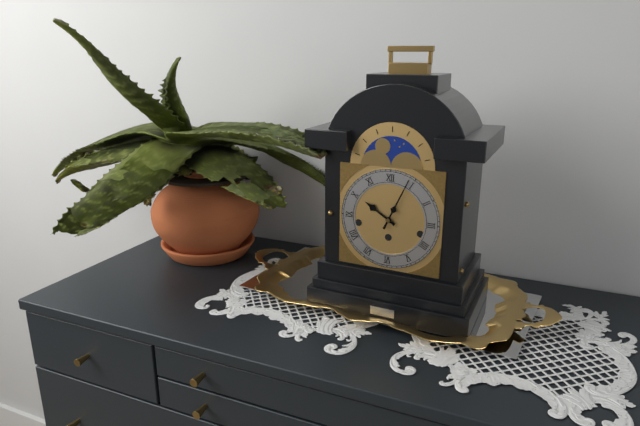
10:04
